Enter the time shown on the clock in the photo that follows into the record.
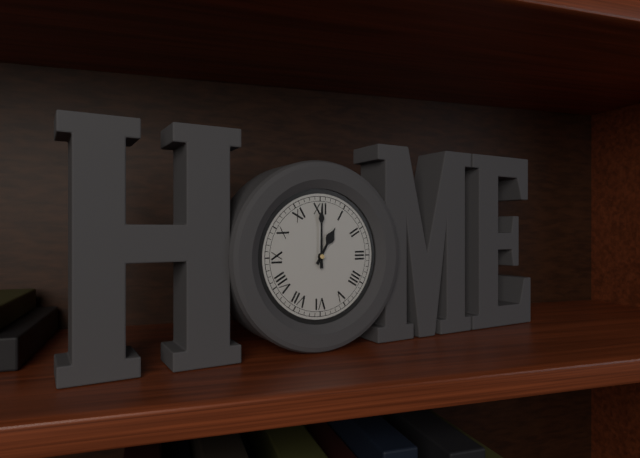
1:00
